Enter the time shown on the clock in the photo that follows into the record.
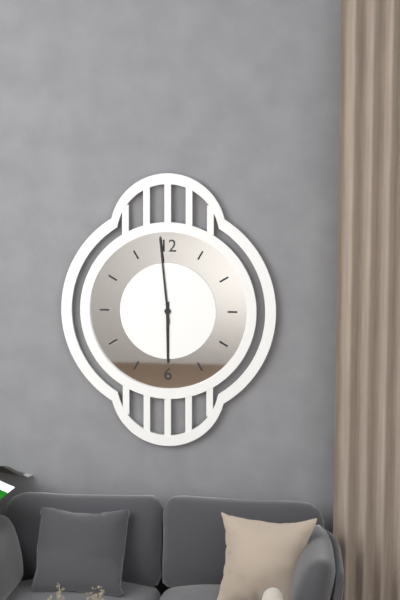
5:59
